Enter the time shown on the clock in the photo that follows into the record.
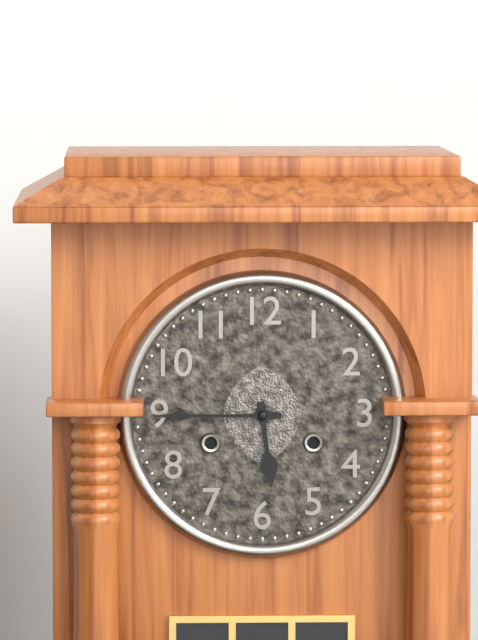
5:45
